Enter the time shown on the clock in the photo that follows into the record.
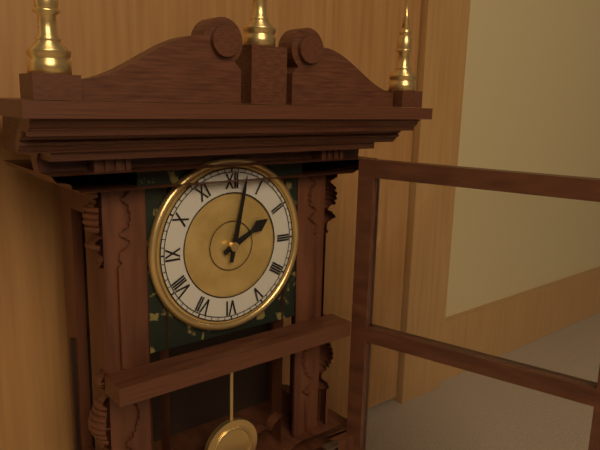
2:02
